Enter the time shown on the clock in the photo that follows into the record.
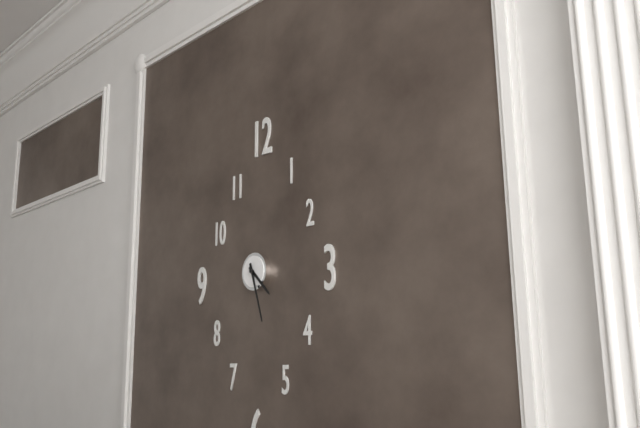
4:27
